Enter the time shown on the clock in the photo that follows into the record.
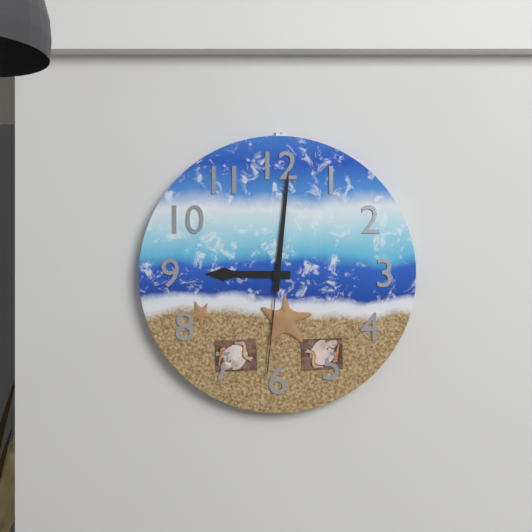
9:01:31
